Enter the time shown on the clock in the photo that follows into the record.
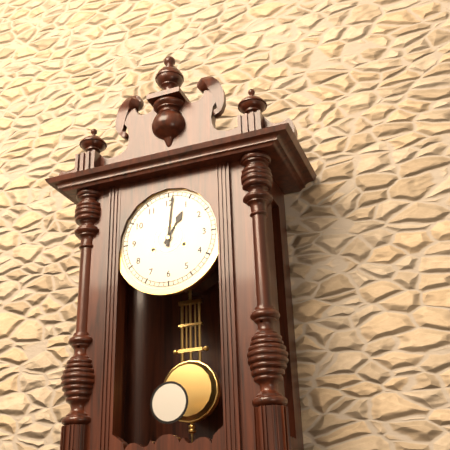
1:01
